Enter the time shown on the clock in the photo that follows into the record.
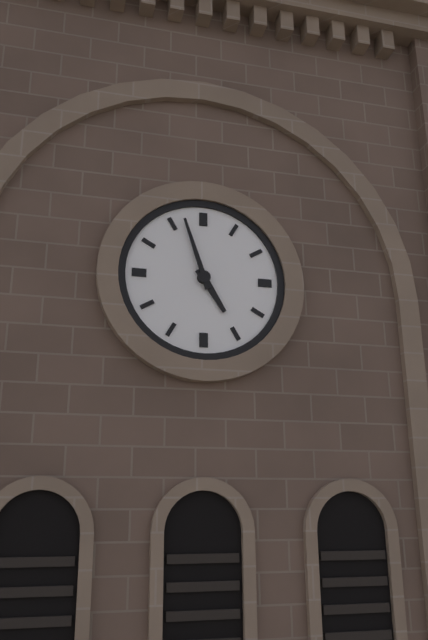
4:57
